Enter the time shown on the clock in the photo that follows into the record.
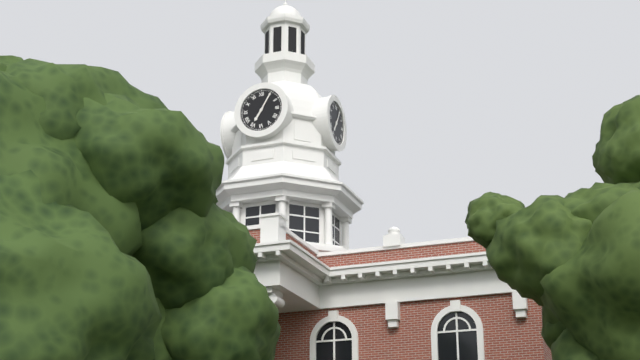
7:05
